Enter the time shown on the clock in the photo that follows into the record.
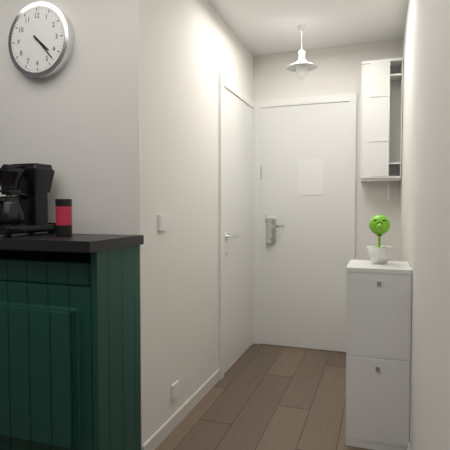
4:23
